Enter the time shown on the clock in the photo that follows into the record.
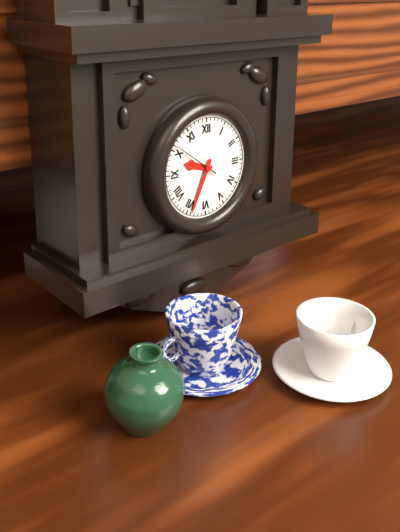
9:34
